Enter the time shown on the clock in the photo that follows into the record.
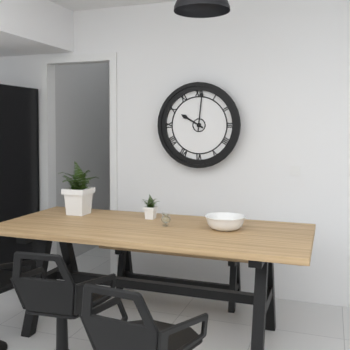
10:01
